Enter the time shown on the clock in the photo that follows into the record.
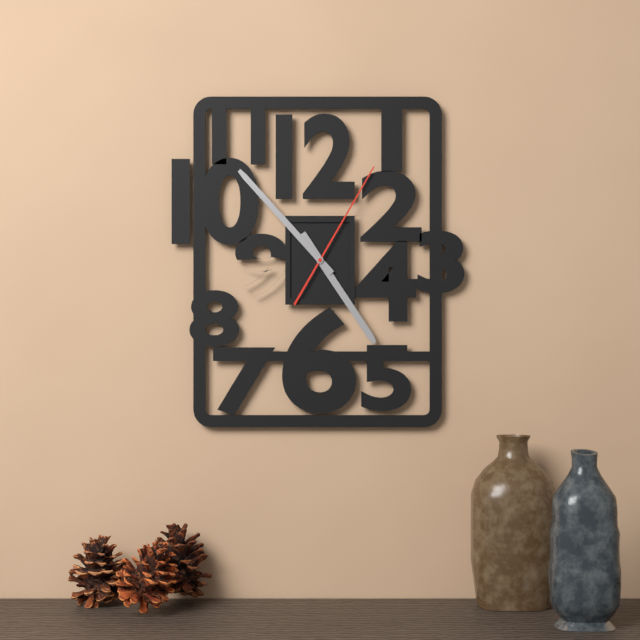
4:53:05
